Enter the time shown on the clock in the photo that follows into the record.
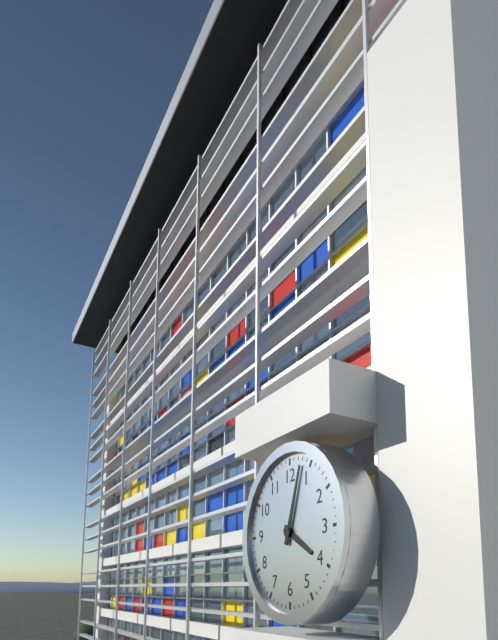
4:03
